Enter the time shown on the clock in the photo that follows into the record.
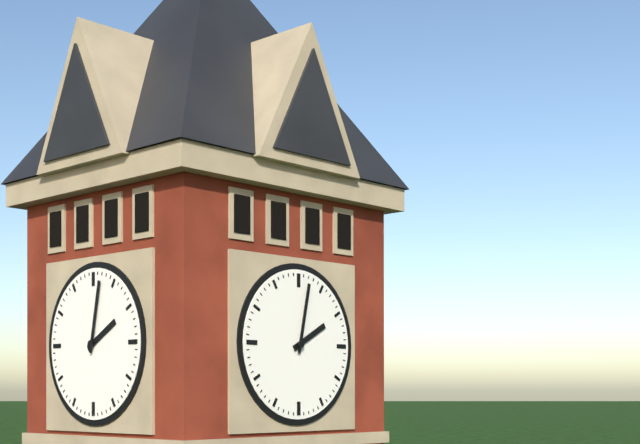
2:02
